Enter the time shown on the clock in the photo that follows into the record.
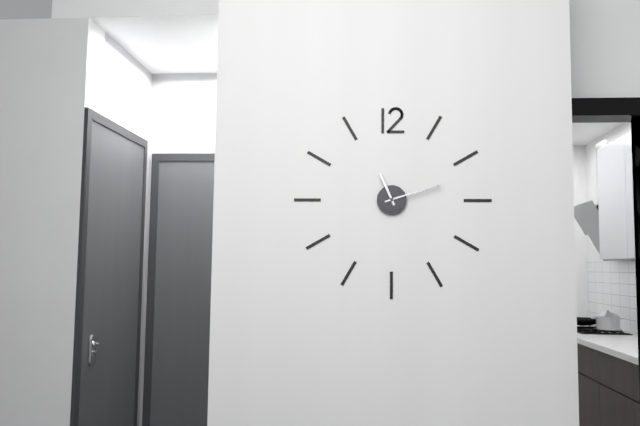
11:12
